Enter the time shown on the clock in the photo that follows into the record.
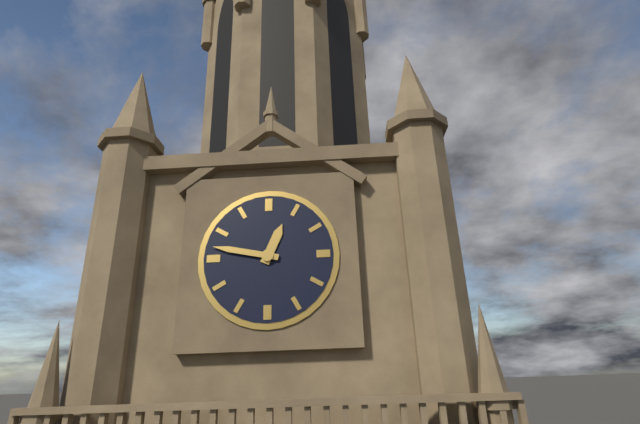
12:47
